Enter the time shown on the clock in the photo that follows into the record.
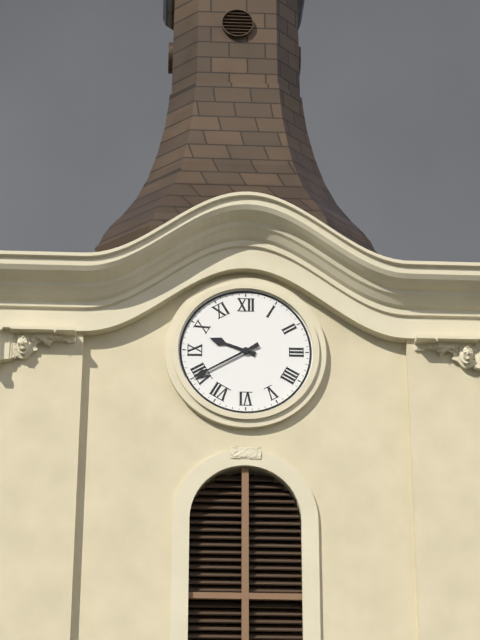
9:40
